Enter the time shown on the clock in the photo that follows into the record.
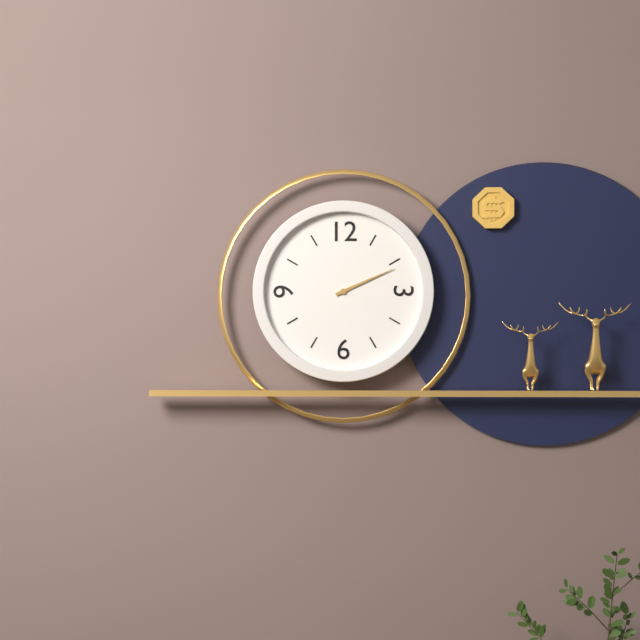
2:11
